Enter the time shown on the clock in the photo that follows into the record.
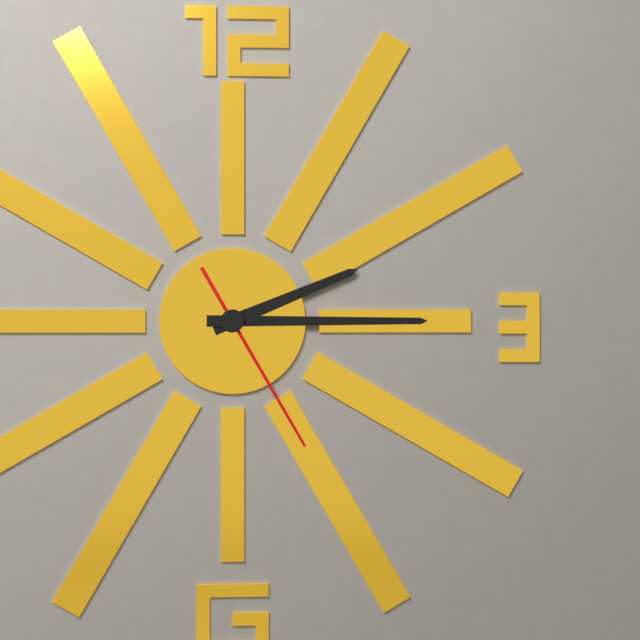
2:15:25
